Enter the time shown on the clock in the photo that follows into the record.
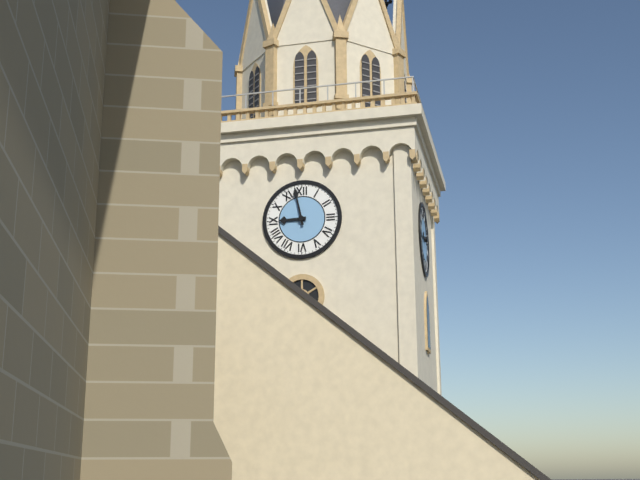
8:58
